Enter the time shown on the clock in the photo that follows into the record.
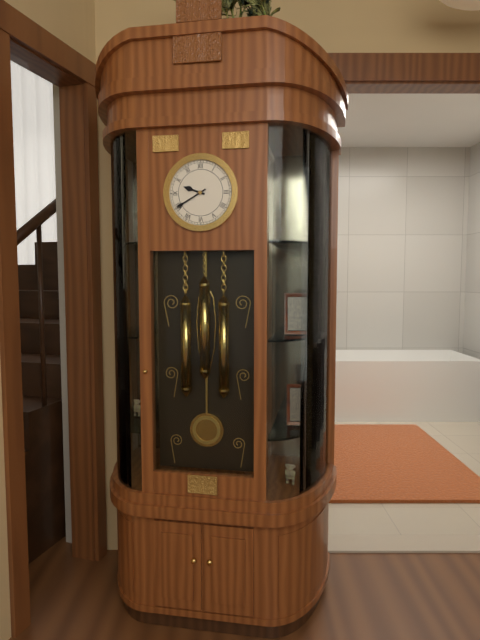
9:40
